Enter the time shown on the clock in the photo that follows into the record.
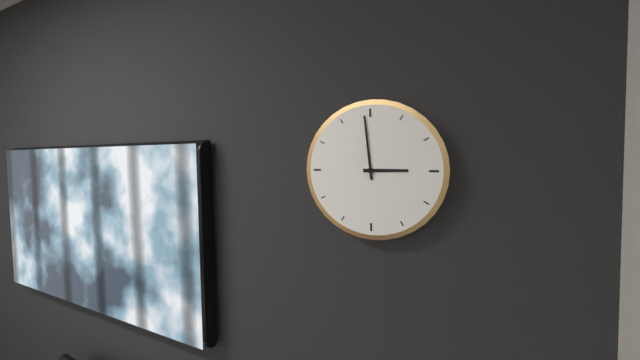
2:59
